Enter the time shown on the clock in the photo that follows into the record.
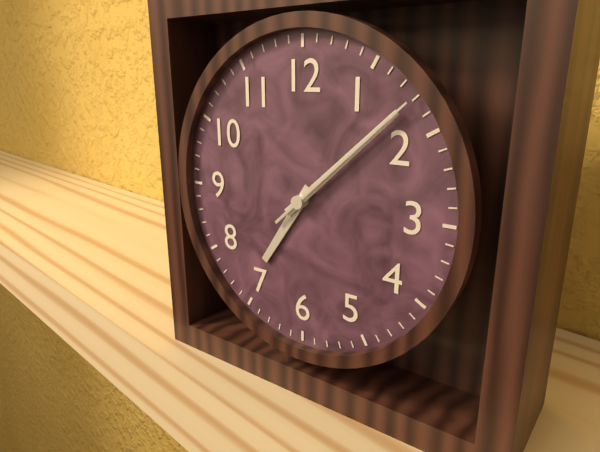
7:08:08
